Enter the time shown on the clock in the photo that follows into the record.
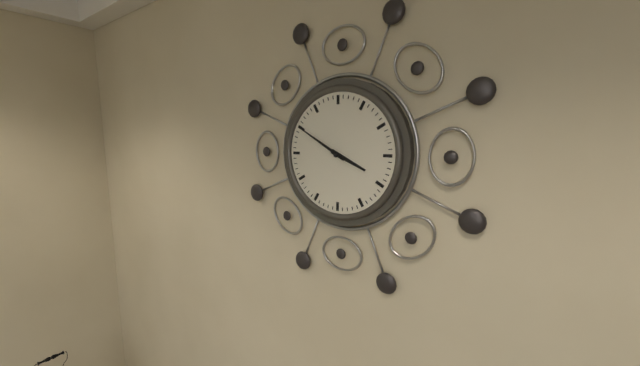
3:50
